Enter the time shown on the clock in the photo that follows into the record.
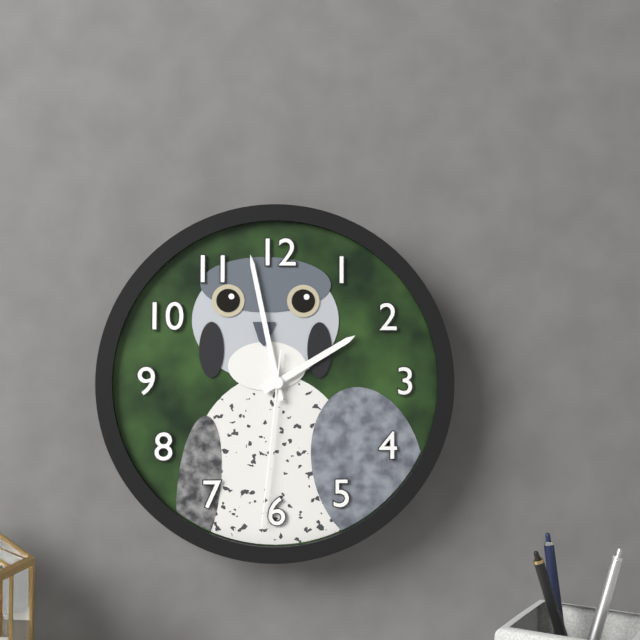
1:58:31
